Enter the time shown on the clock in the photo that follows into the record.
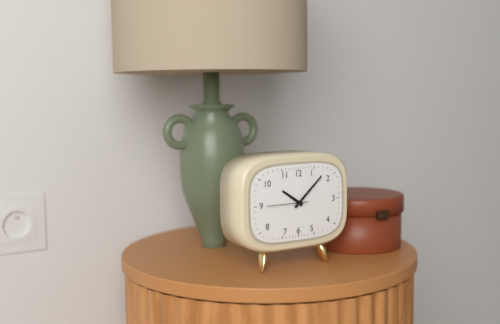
10:08
